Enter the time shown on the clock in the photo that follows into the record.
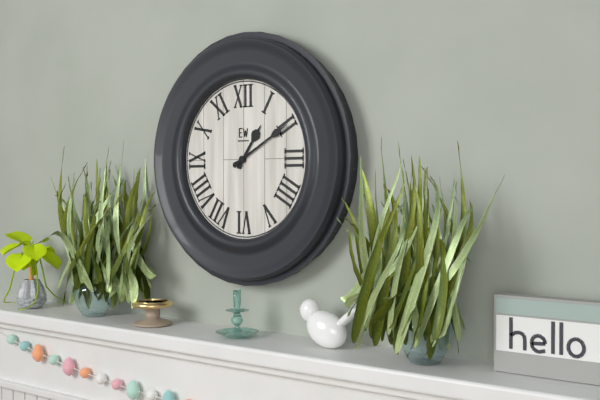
1:10
